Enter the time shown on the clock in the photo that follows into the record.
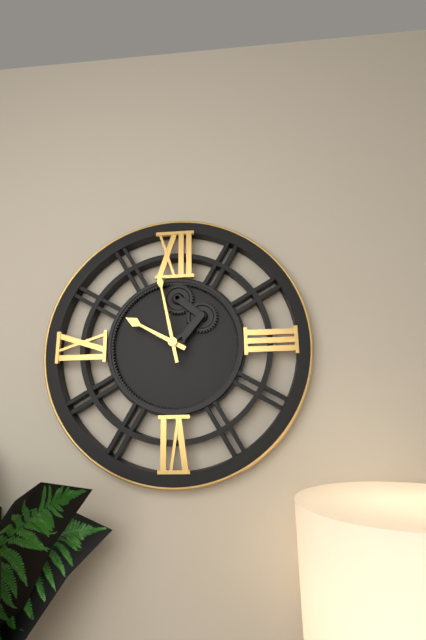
9:58
